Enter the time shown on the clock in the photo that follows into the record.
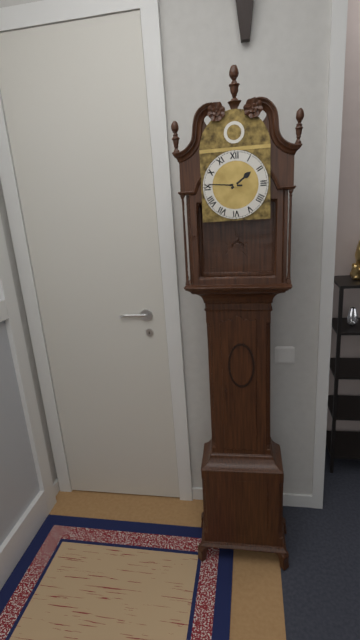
1:46
